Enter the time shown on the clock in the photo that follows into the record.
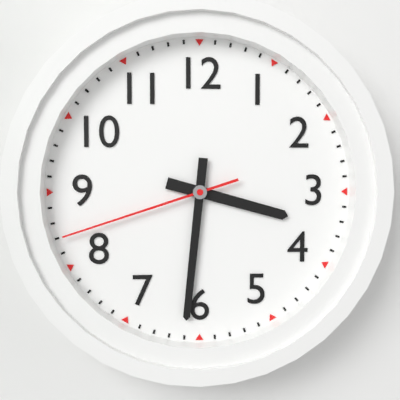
3:31:42
